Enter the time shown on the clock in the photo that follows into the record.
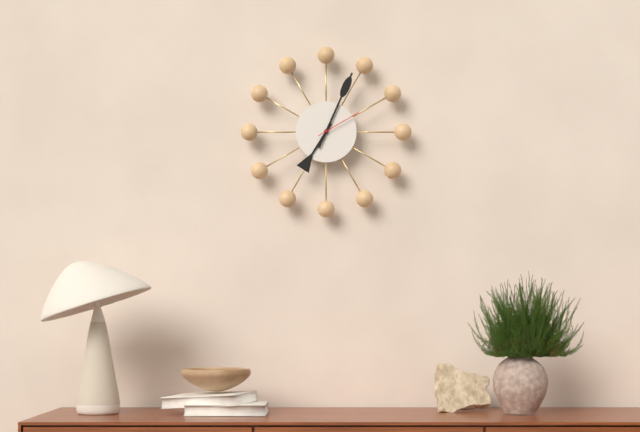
7:04
